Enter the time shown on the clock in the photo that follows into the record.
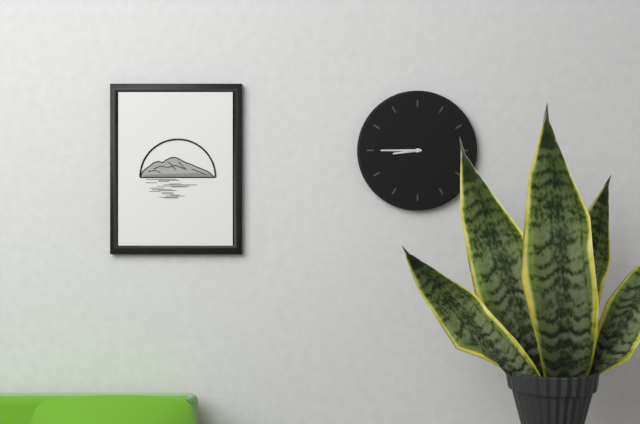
8:45
